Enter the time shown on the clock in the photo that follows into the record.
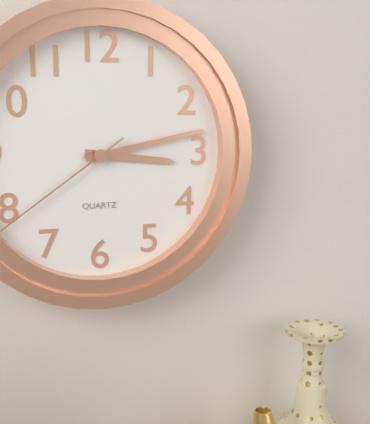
3:13
